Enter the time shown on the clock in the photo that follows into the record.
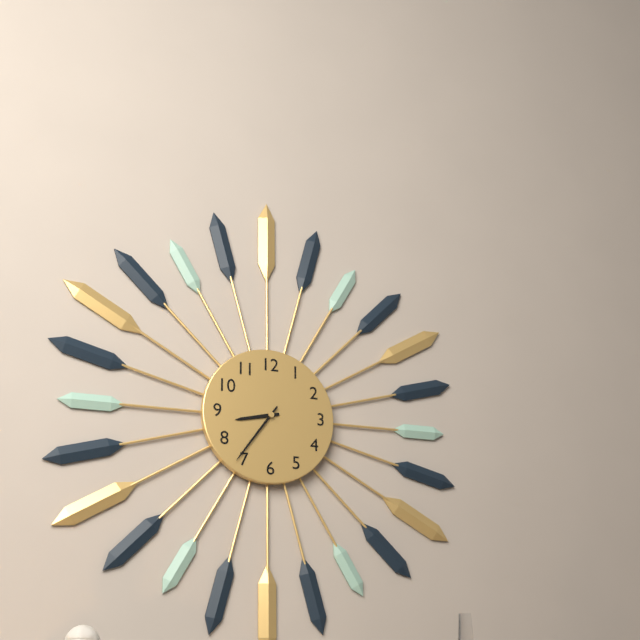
8:36
